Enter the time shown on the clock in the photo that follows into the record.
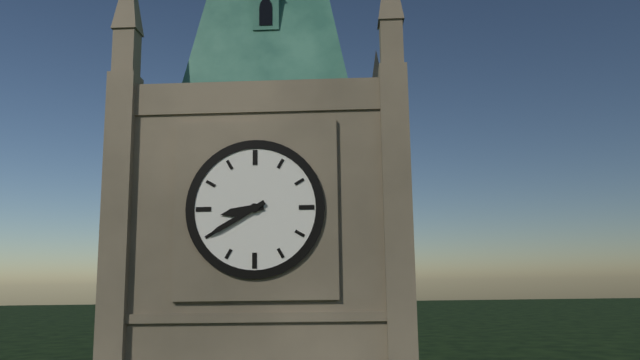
8:40
